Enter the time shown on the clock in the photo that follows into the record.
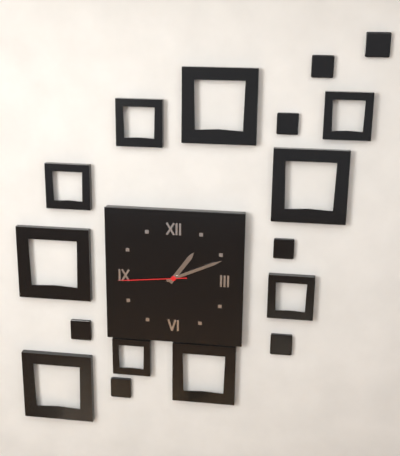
1:11:44
